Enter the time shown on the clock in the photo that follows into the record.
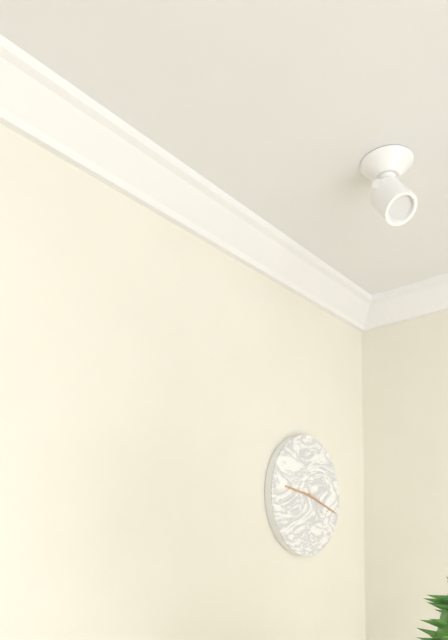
9:18
